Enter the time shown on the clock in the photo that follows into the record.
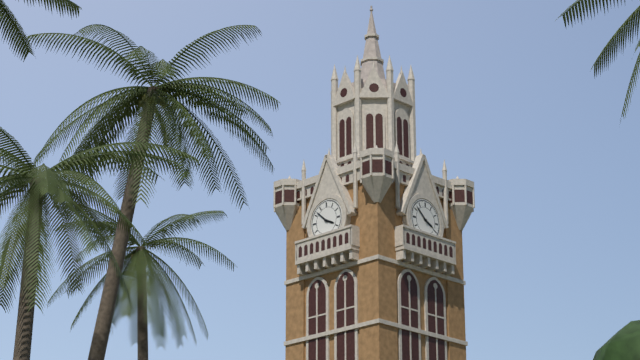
3:52
